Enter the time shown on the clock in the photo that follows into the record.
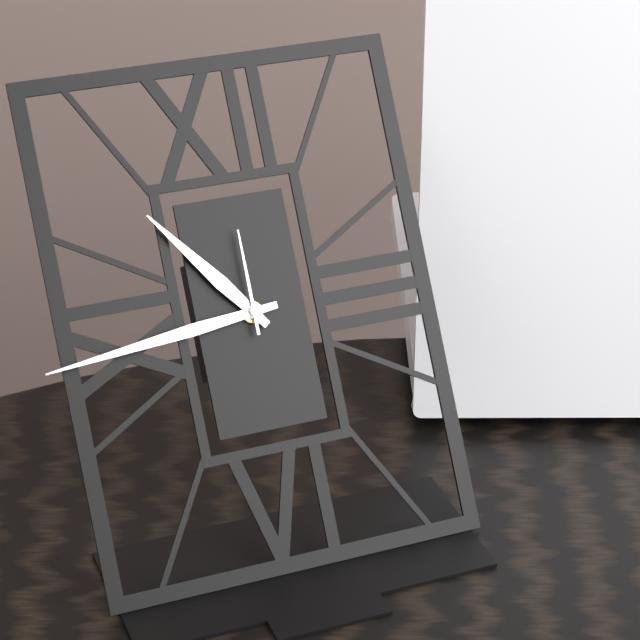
10:44:00
